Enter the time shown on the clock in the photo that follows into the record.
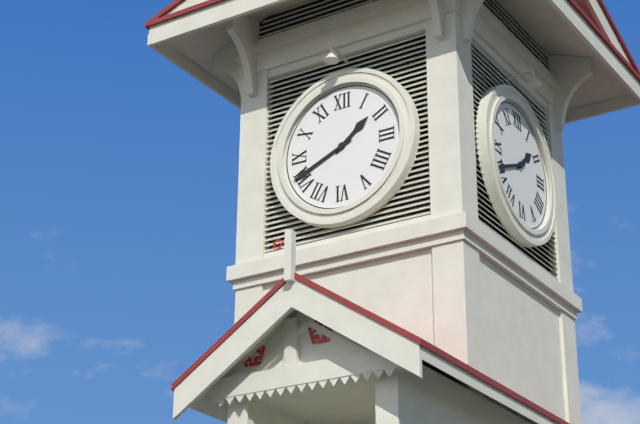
1:41
